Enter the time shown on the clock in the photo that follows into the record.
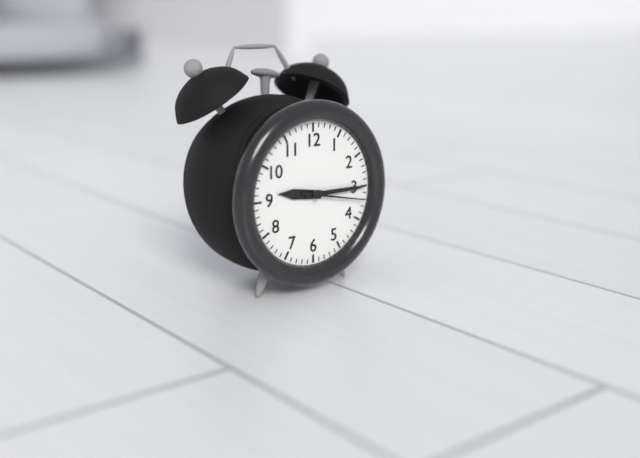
9:15:17
